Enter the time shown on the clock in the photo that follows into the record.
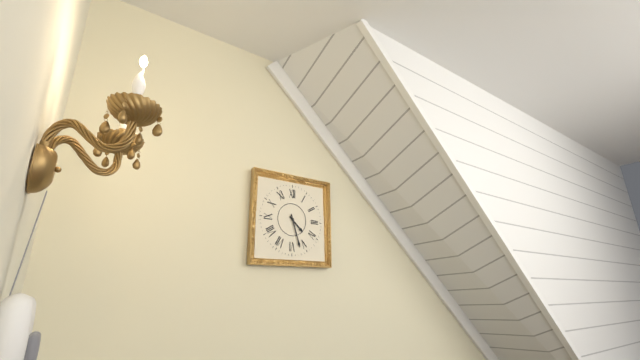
4:27
